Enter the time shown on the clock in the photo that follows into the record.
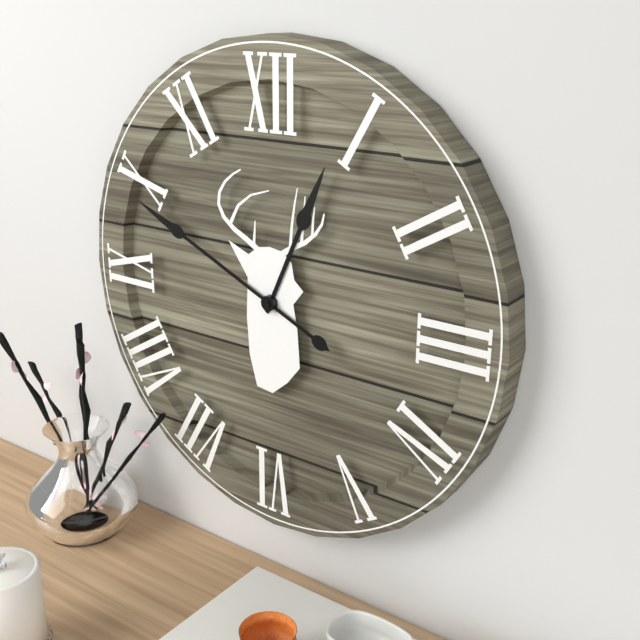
12:49
